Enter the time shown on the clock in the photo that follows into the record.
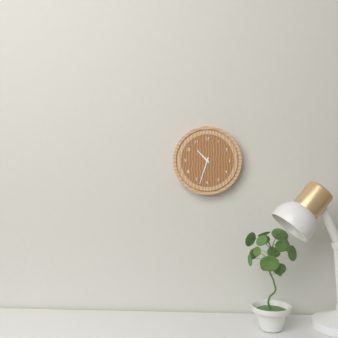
10:33
